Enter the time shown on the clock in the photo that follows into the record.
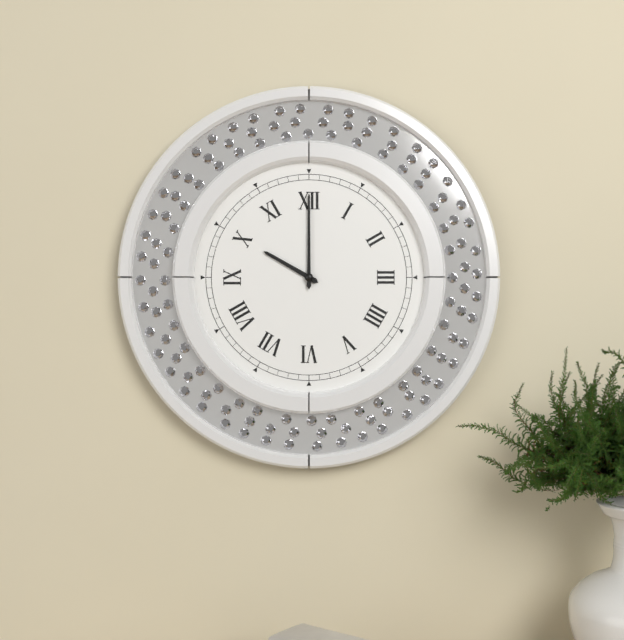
10:00
